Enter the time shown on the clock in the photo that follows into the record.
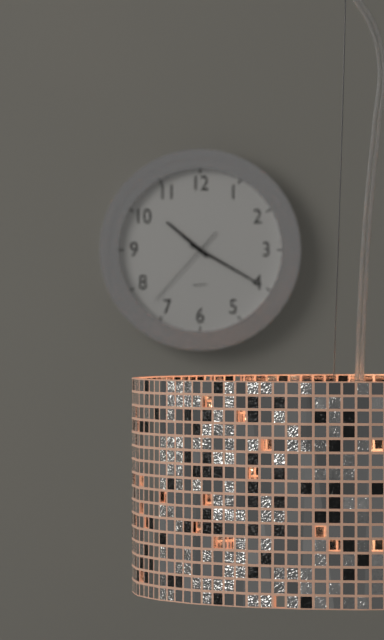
10:20:37
